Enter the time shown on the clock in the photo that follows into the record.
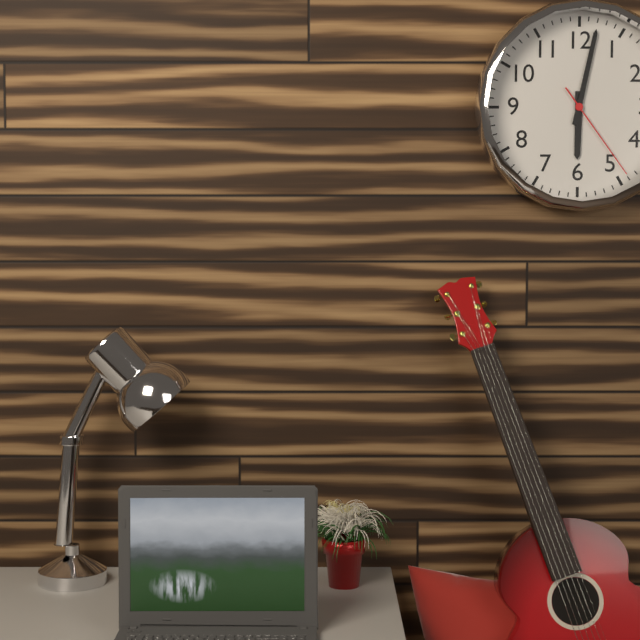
6:02:24
